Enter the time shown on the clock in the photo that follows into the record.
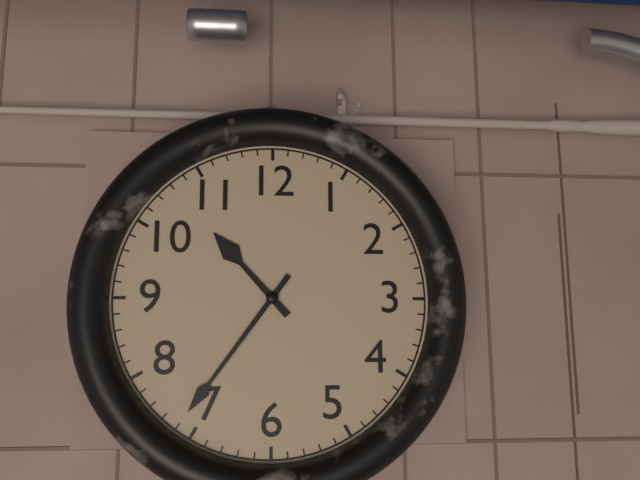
10:36
